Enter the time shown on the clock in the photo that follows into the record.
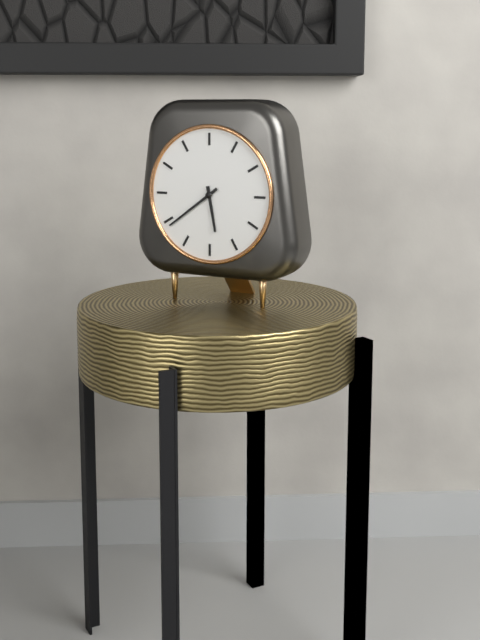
5:39
